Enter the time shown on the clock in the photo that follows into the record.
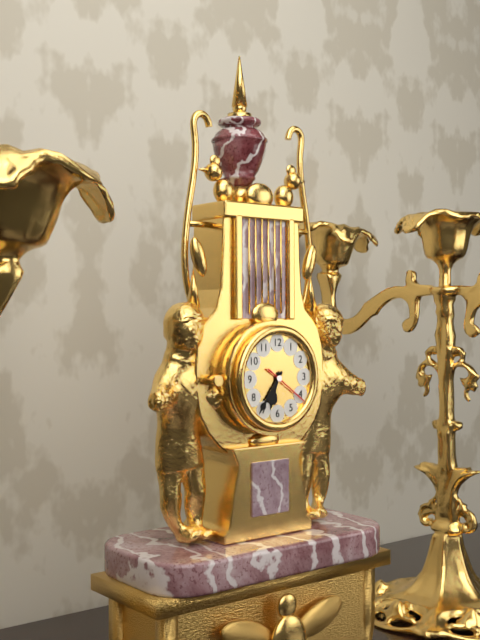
6:36
